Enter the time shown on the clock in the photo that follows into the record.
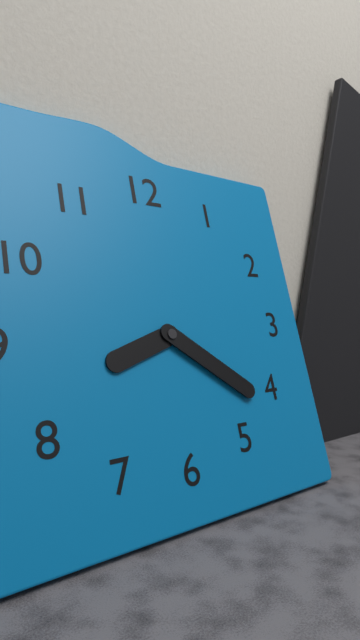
8:21
